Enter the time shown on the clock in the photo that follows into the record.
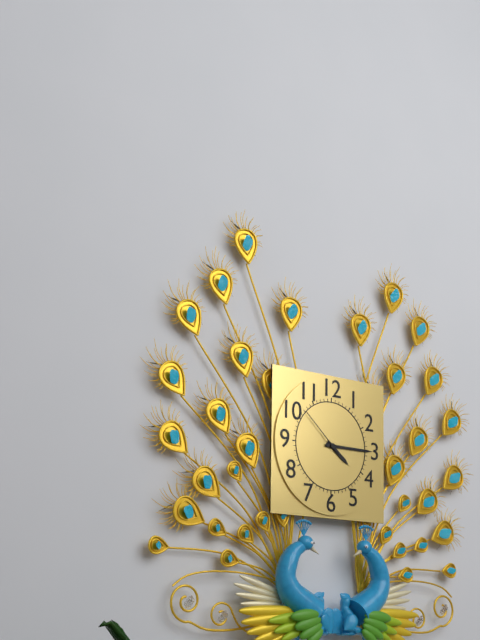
4:15:52
